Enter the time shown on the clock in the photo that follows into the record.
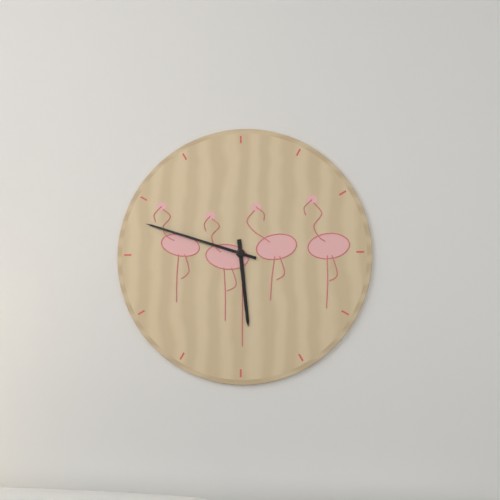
5:48
